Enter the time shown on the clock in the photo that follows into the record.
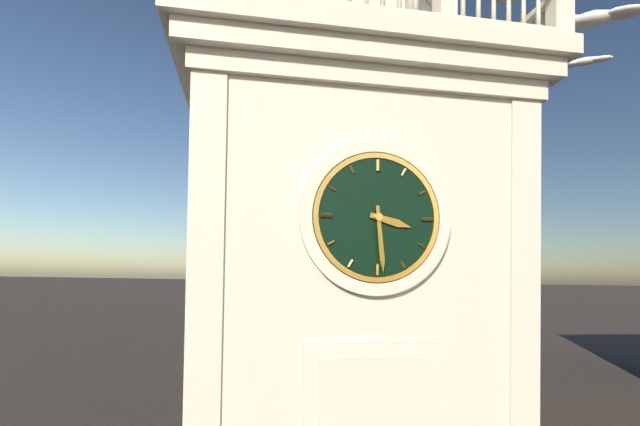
3:29
